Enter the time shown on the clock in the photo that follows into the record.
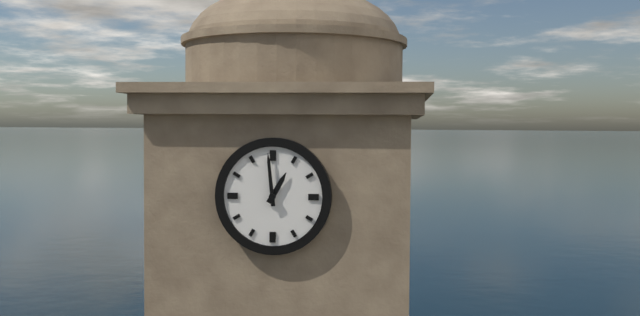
12:59
